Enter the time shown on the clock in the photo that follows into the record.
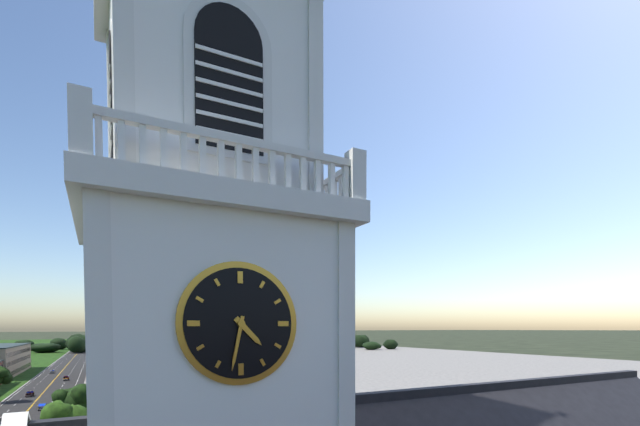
4:32
